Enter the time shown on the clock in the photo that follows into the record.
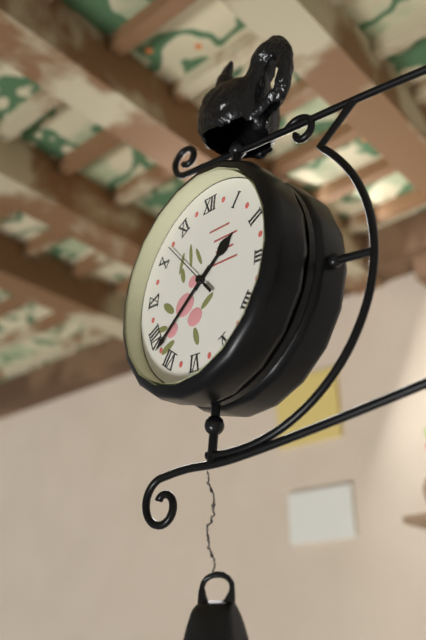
1:38:52
